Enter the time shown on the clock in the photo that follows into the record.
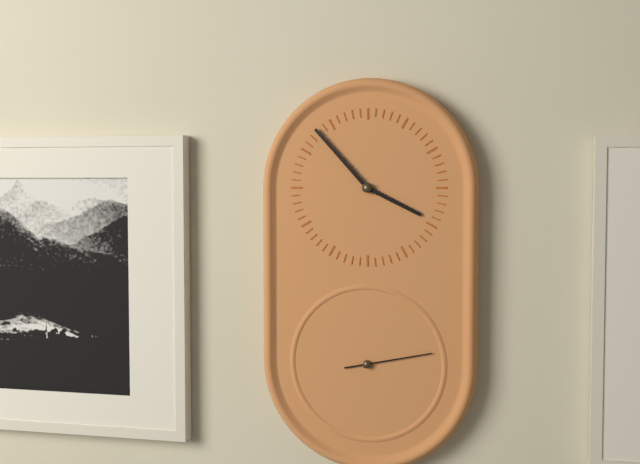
3:53:13
